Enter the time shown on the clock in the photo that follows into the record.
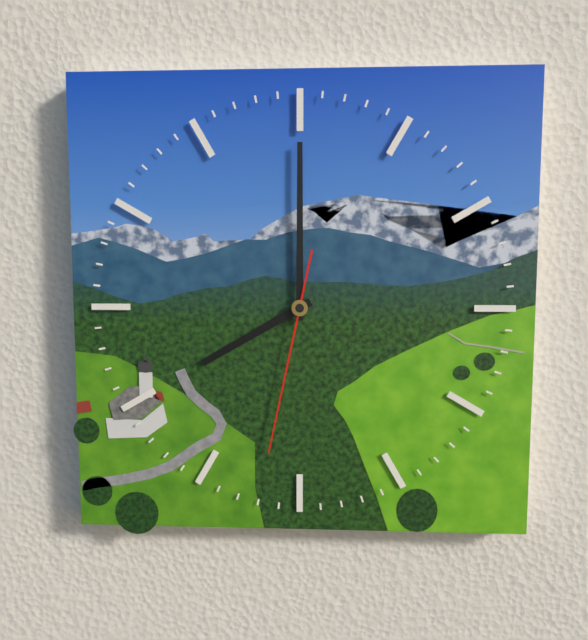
8:00:32
